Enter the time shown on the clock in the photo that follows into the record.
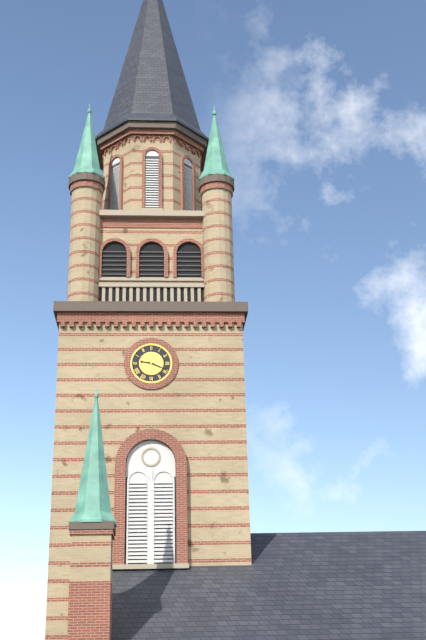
9:19
